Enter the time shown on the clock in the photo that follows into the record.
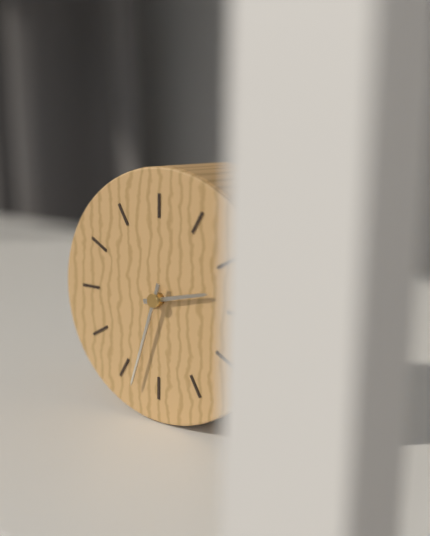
2:33
